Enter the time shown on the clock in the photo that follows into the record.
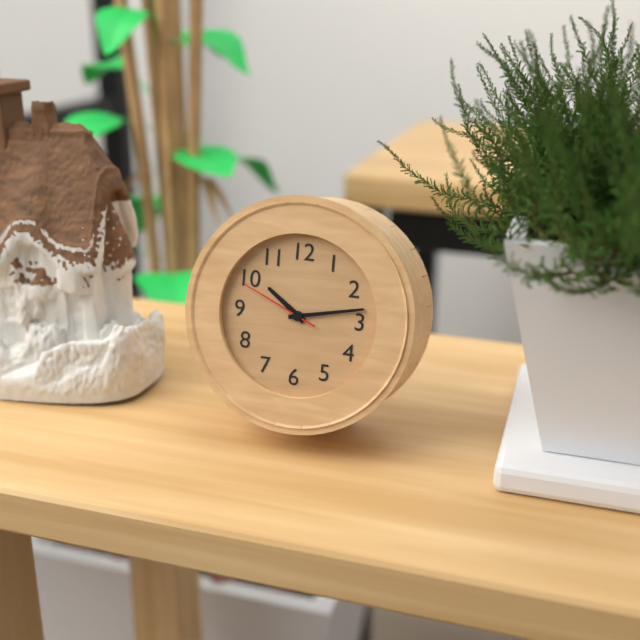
10:13:49
